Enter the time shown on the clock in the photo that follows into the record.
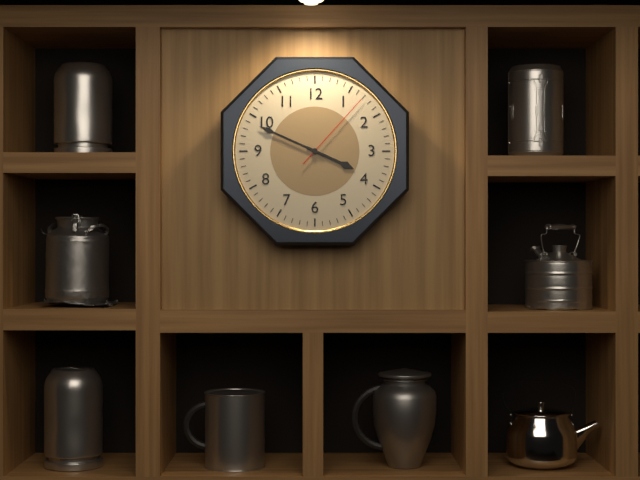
3:49:07
